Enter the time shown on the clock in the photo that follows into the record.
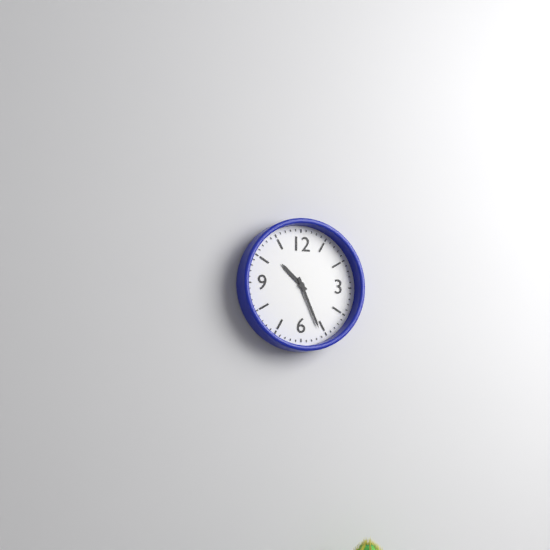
10:26
